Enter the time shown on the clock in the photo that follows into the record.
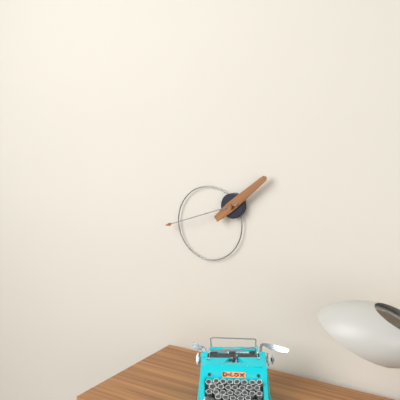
1:42
